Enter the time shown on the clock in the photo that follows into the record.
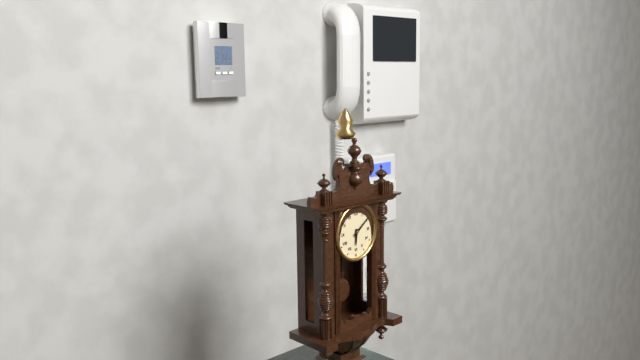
6:09
